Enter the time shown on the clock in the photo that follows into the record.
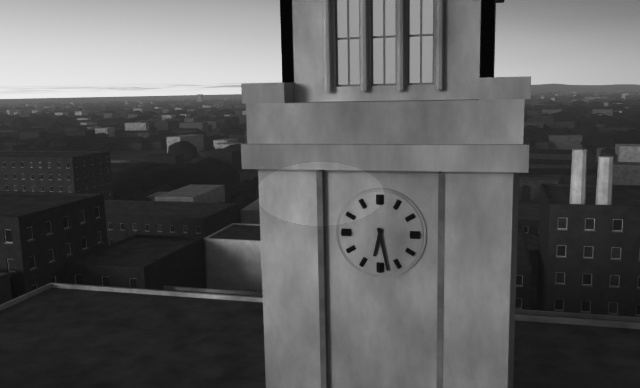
6:28
